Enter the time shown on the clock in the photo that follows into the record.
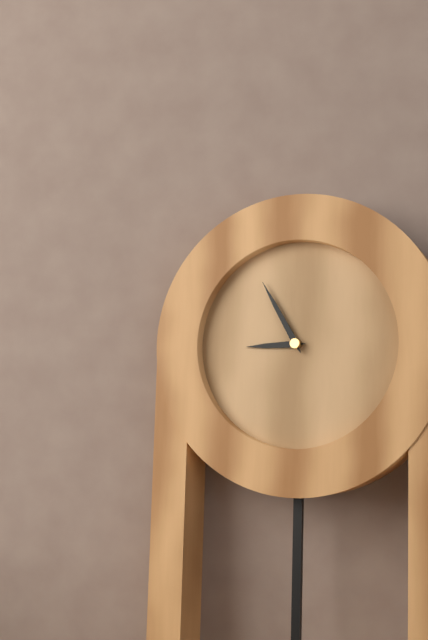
8:55
